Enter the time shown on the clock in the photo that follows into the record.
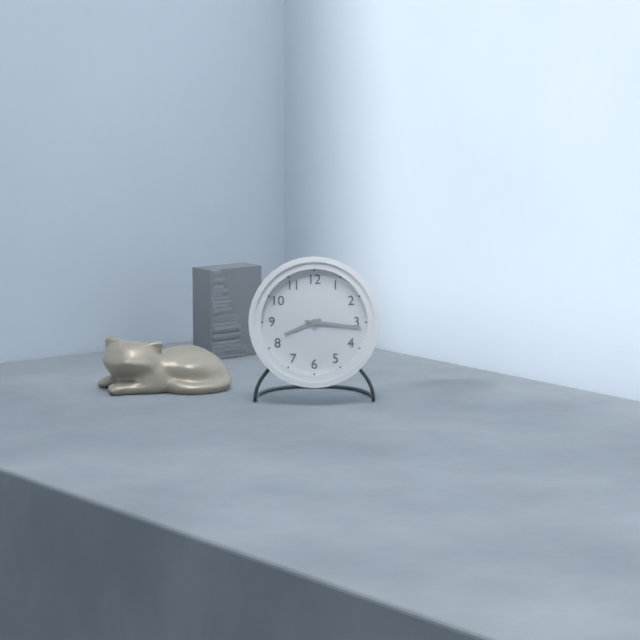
8:16
